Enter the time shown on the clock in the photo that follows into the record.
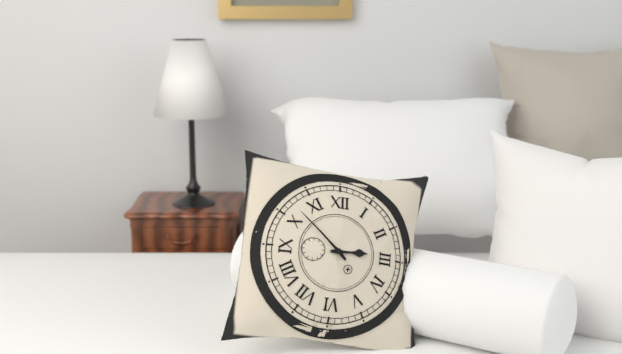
2:52
